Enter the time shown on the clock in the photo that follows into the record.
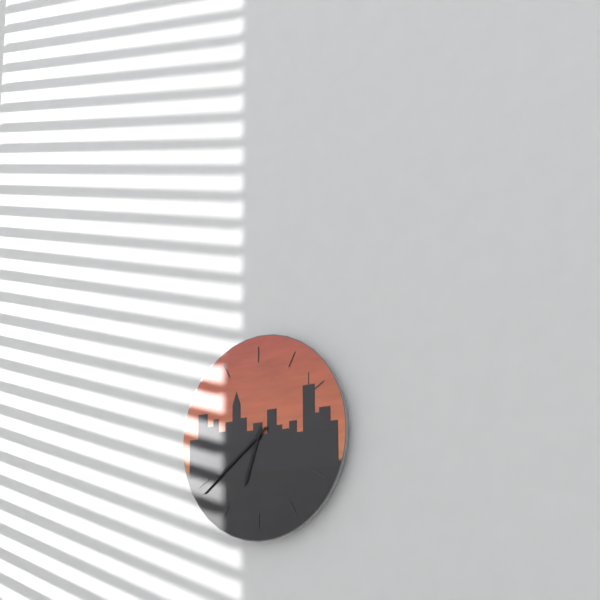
6:39
